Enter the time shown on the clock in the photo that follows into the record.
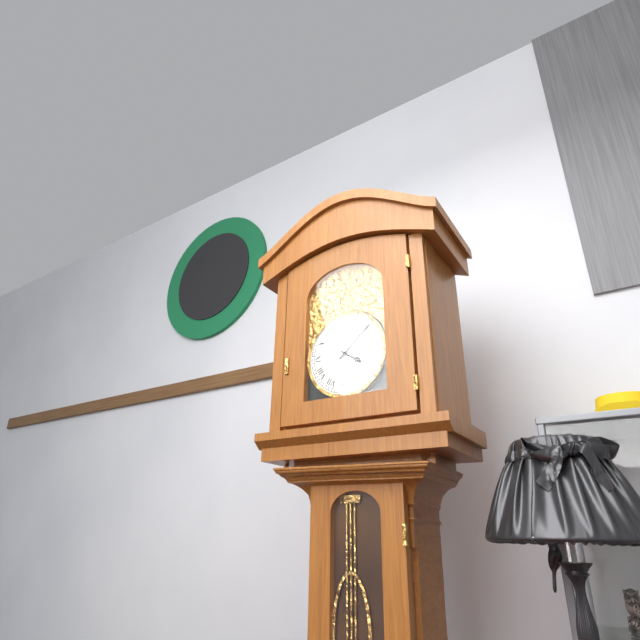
4:08
